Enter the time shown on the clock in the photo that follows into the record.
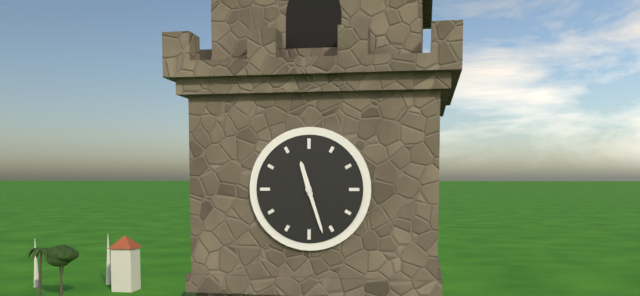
11:27
